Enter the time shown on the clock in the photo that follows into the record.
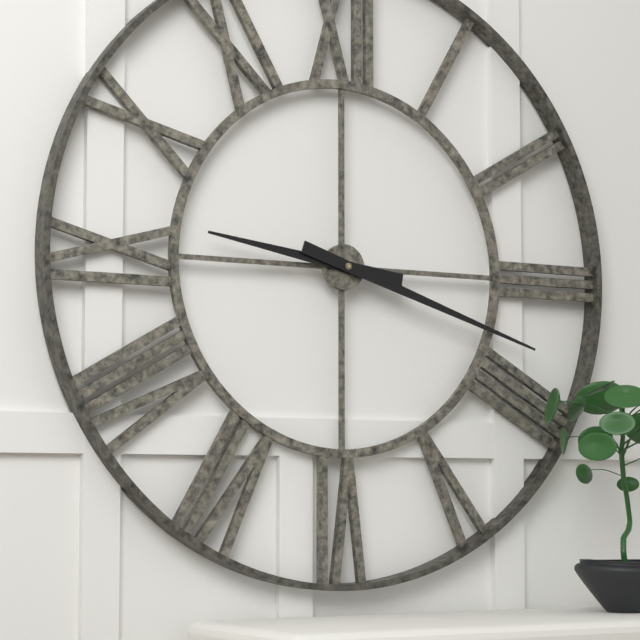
9:18
